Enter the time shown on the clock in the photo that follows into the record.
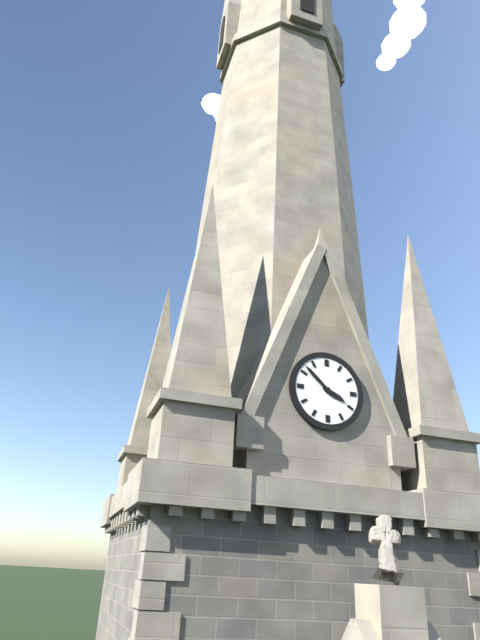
3:52
